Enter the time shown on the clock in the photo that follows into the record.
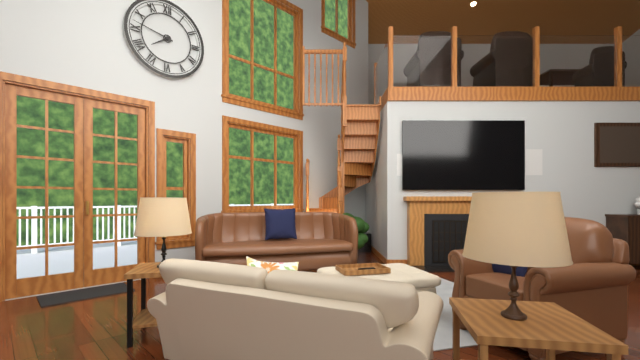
7:47
